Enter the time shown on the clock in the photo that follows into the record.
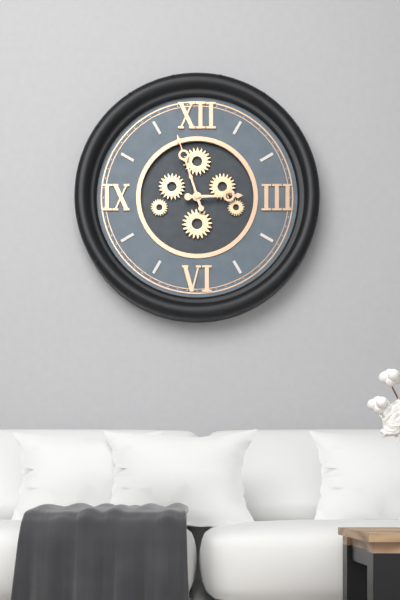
2:57
